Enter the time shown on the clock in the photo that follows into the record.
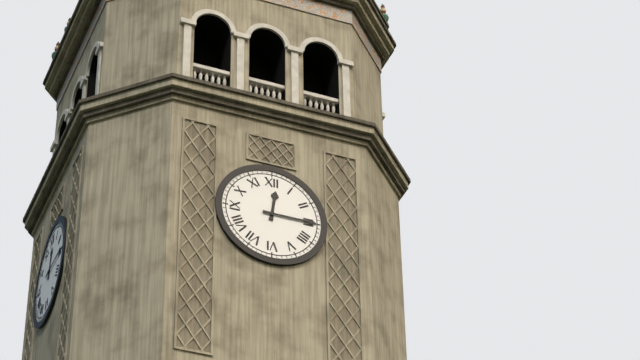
12:15
